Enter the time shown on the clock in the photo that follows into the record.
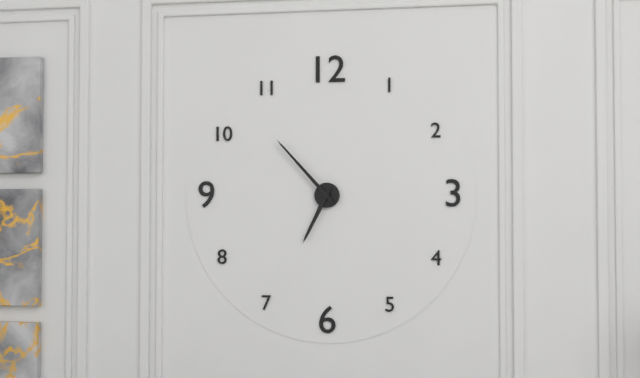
6:53
